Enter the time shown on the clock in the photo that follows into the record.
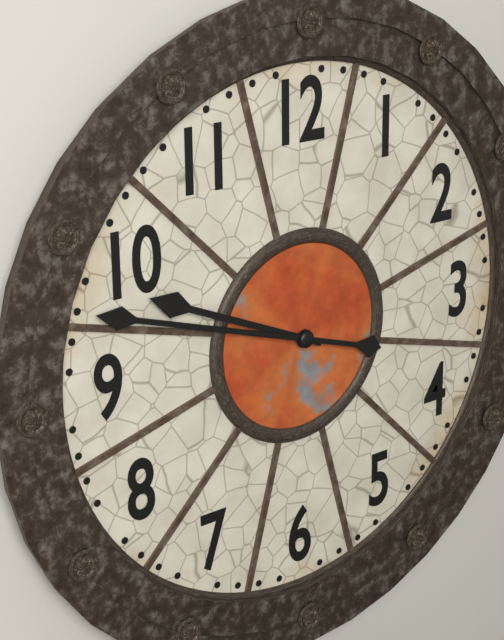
9:48
